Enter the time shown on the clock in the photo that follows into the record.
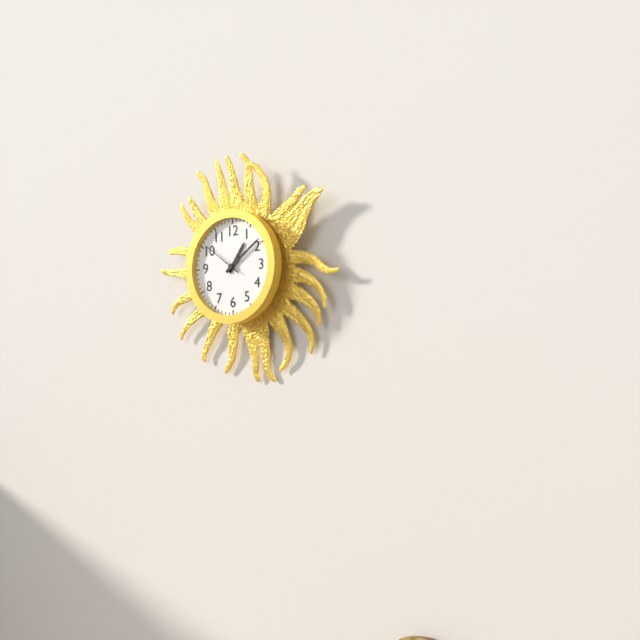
1:09
